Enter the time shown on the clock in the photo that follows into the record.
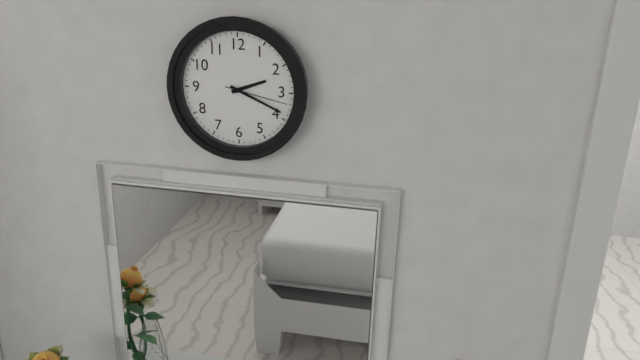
2:19:17
